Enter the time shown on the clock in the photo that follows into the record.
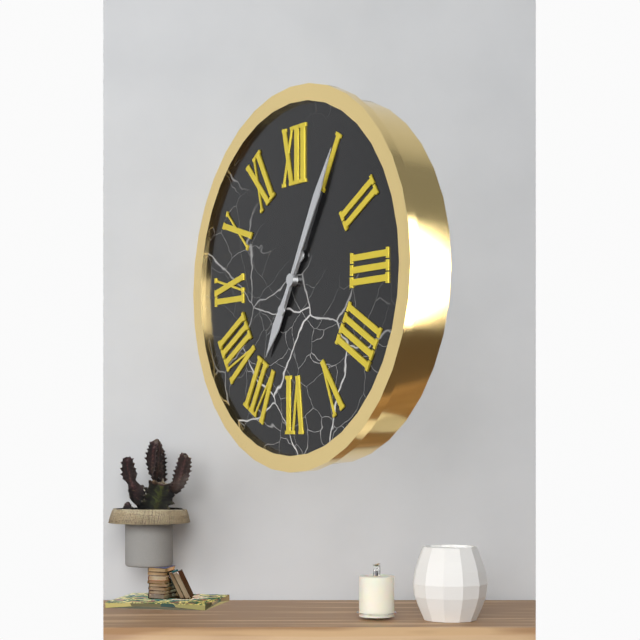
7:05
